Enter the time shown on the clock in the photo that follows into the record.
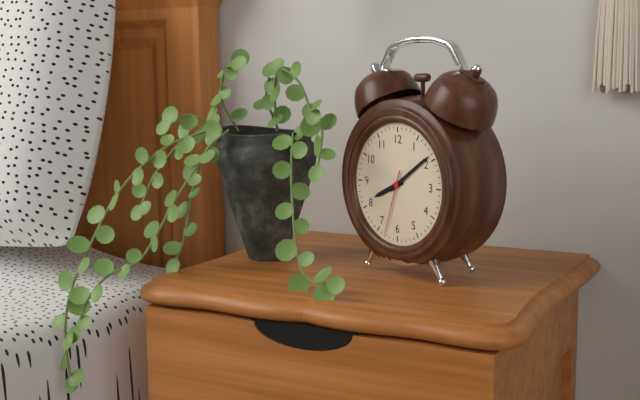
8:09:33
